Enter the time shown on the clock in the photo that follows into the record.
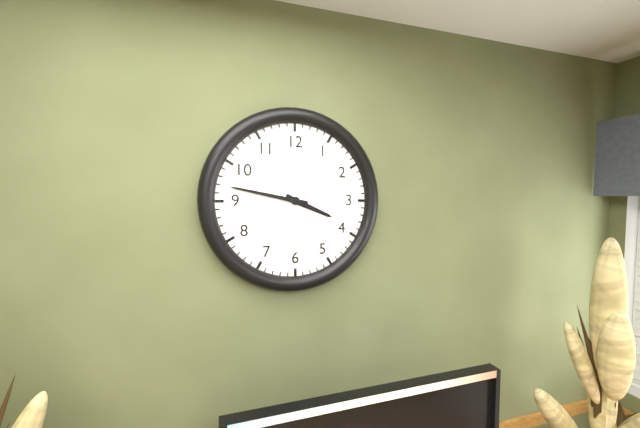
3:47
